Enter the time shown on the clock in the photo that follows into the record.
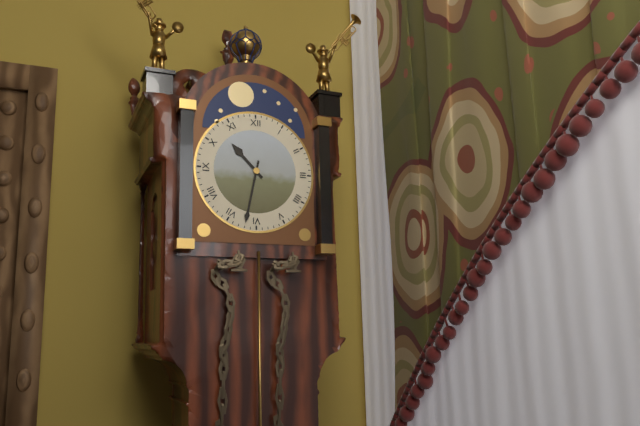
10:32
